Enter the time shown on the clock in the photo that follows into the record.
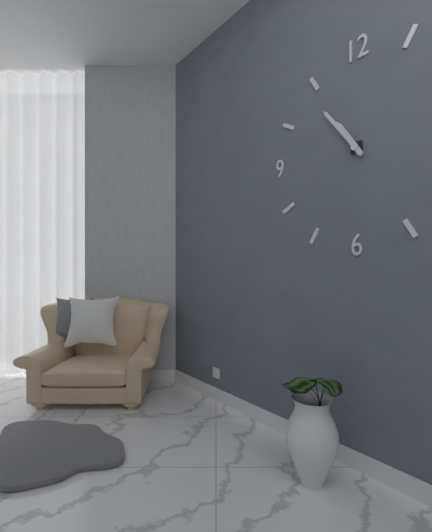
10:54
